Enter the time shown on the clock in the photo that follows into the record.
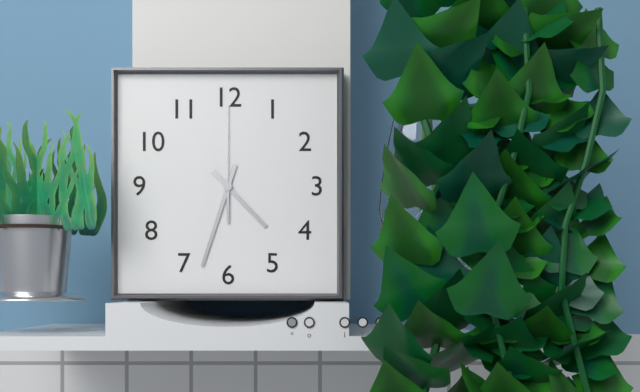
4:33:00
